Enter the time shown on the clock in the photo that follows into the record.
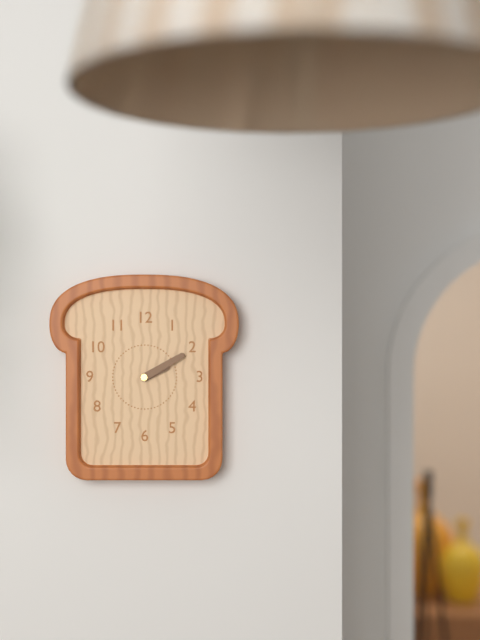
2:10
